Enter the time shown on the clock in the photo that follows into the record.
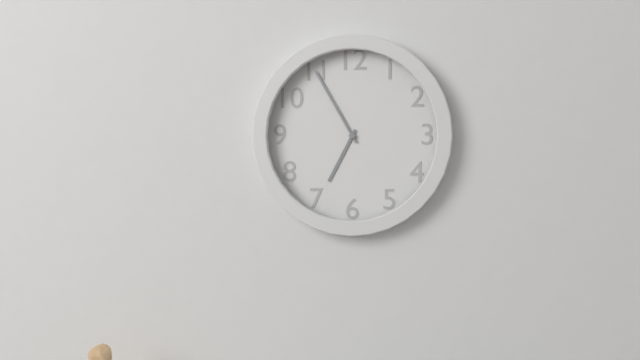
6:55
